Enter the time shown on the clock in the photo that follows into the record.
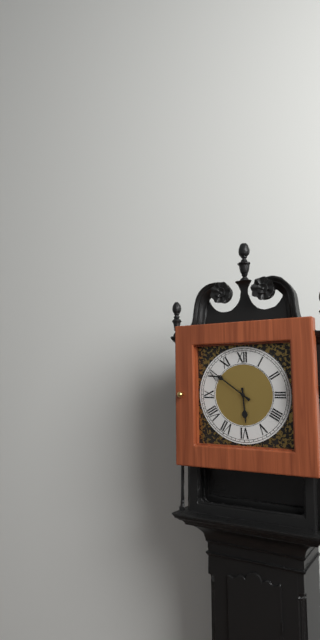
5:51
